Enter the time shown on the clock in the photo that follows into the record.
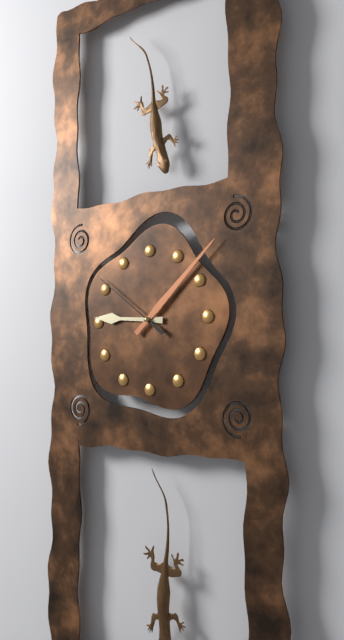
9:08:51
